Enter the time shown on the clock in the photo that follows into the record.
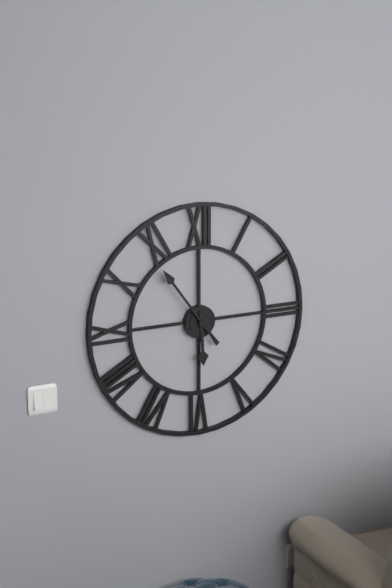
5:54
